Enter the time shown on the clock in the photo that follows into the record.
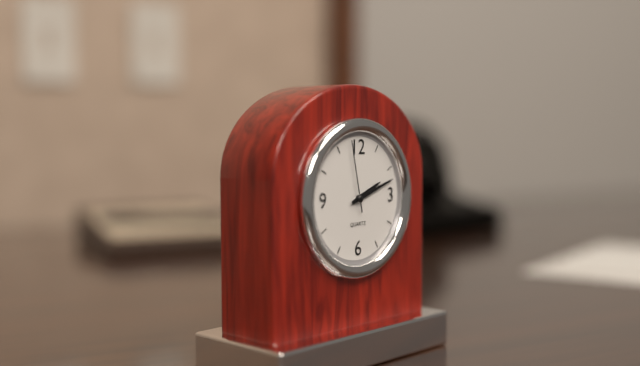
2:12:58
